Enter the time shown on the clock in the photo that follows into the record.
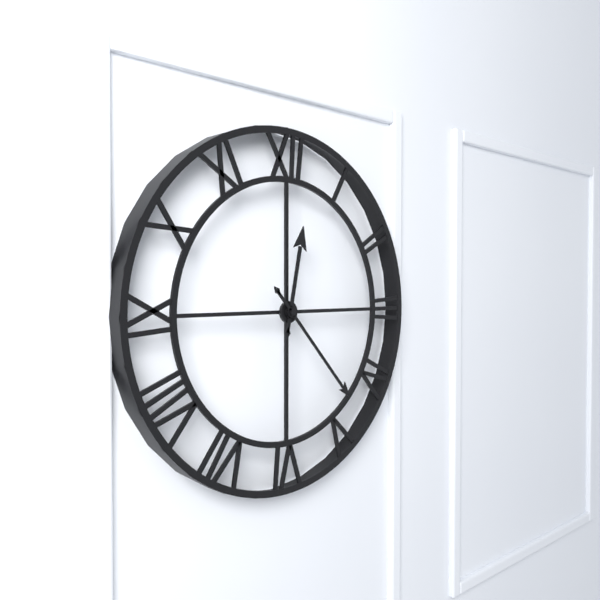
12:23
